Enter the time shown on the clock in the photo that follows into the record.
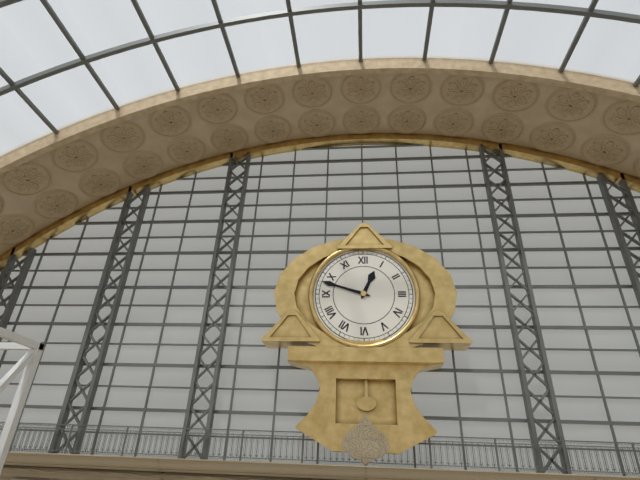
12:48
